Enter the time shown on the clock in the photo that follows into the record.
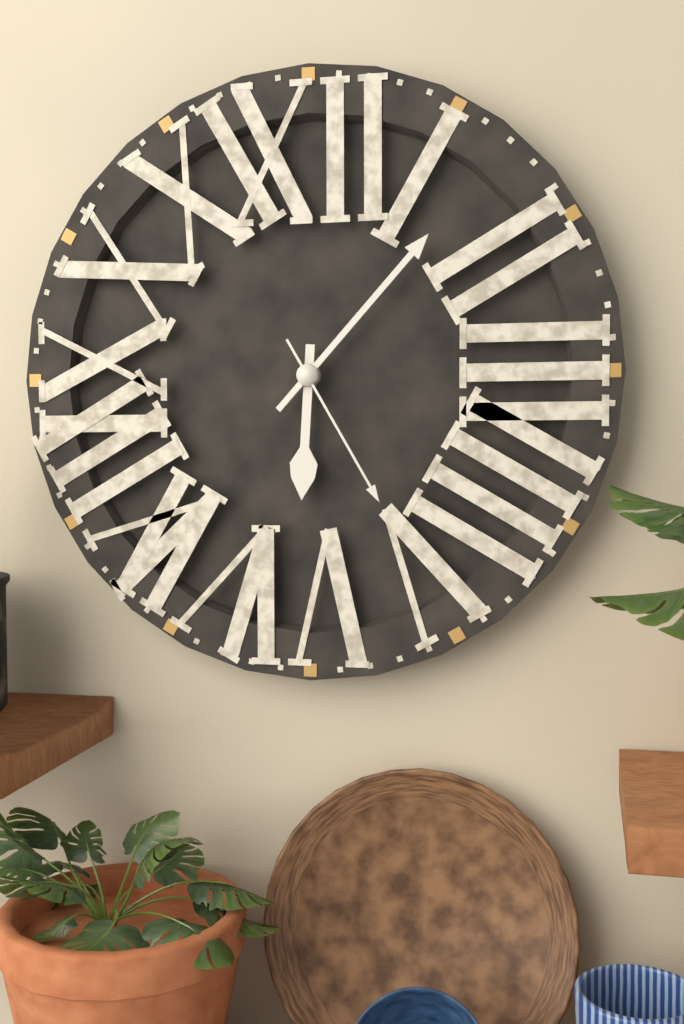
6:07:25
